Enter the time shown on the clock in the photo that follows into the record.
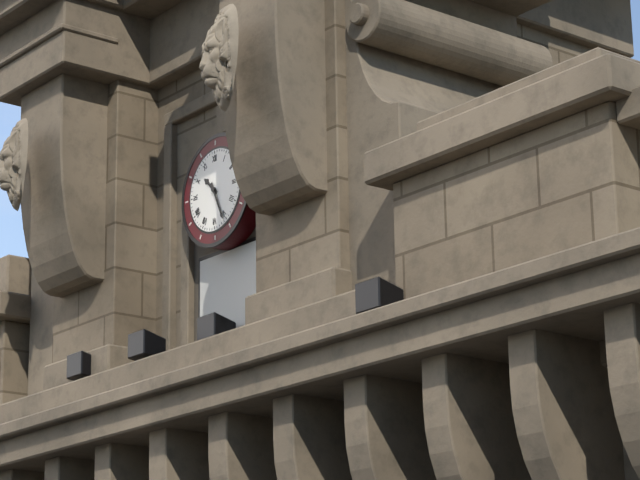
10:26
